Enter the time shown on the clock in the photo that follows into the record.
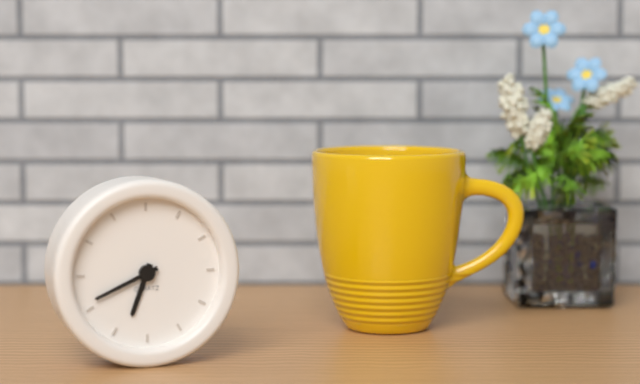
6:41
